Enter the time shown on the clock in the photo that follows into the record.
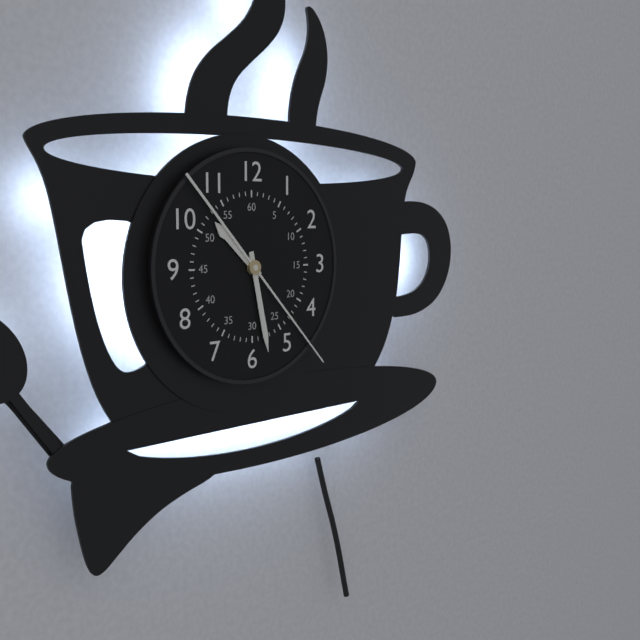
10:28:23
